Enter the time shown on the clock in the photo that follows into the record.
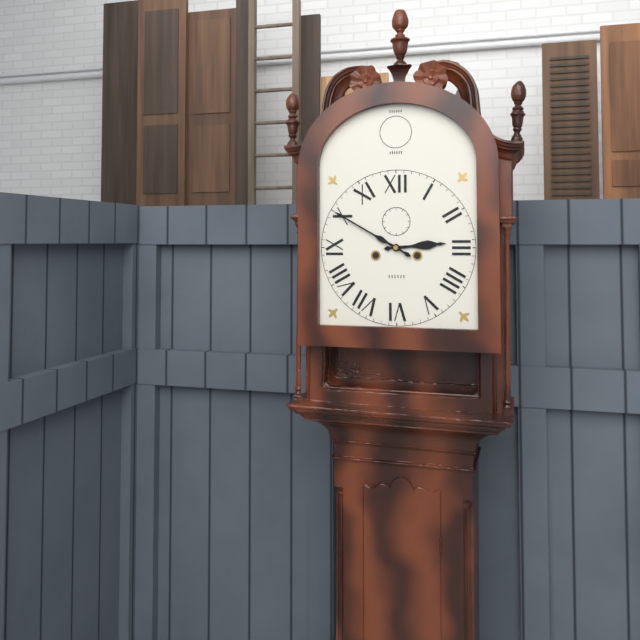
2:50
